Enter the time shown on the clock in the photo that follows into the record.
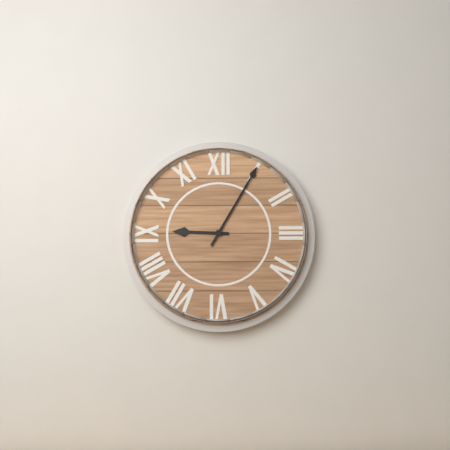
9:05
